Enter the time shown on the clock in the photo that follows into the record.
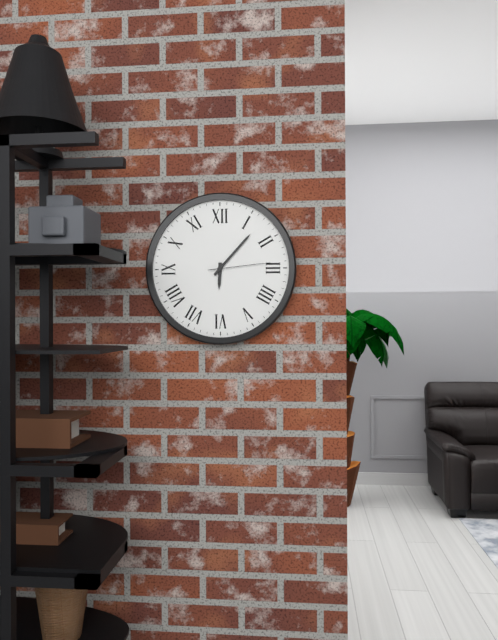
6:07:14
